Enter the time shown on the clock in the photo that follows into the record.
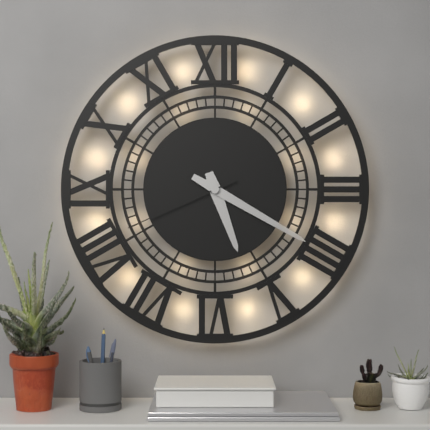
5:20:41
